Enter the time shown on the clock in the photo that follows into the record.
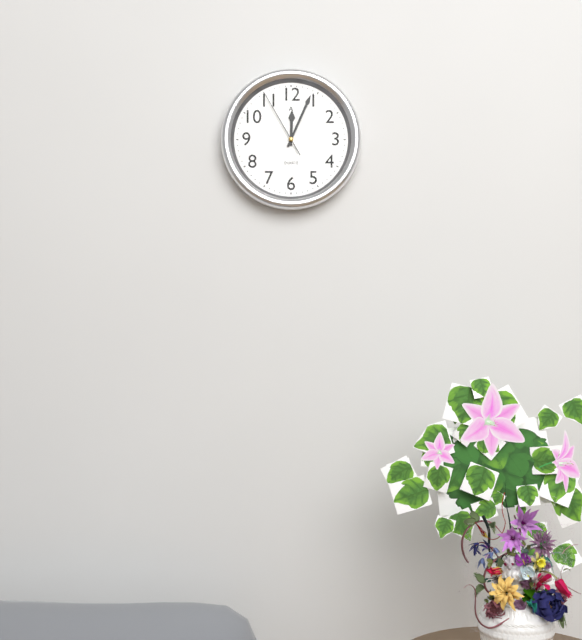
12:04:55
